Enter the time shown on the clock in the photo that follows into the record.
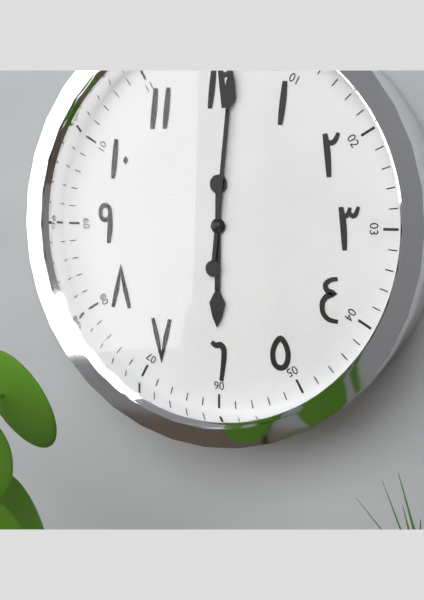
6:01
